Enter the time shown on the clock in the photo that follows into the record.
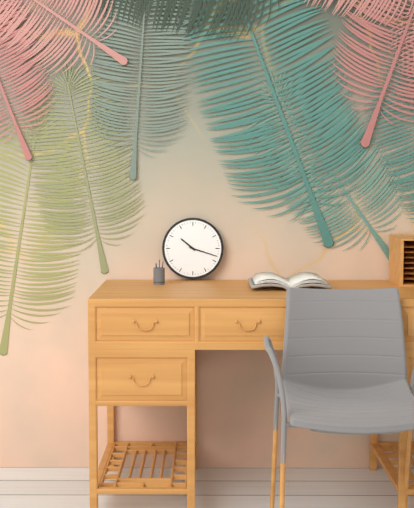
10:18
